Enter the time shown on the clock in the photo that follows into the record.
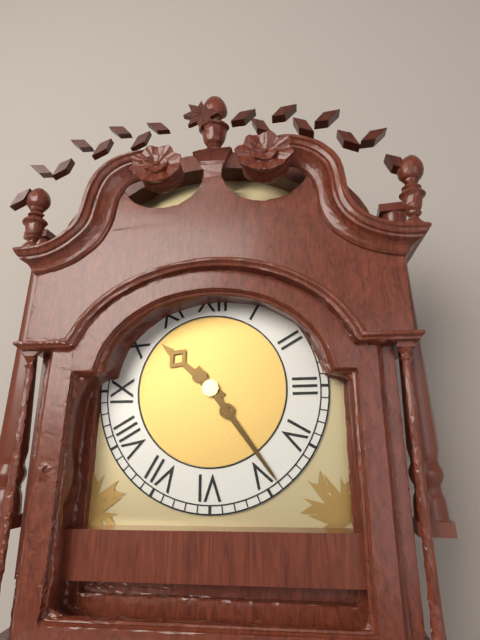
10:24
